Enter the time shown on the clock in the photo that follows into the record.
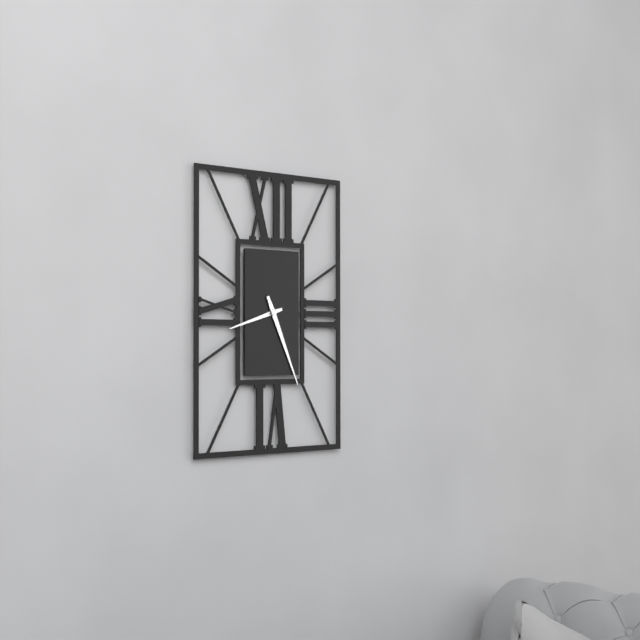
8:26
